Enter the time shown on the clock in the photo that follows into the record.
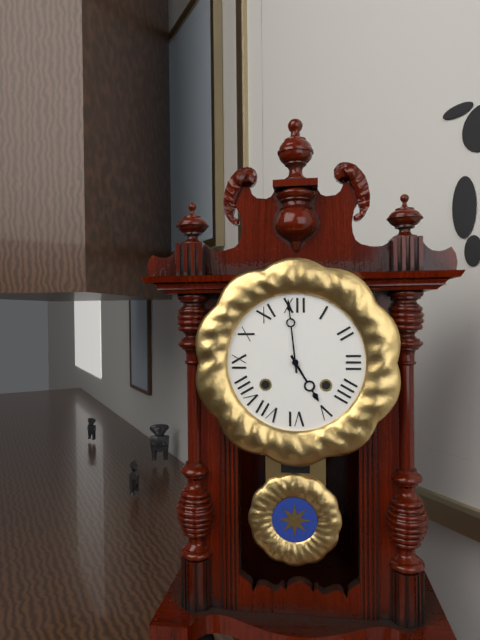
4:59
